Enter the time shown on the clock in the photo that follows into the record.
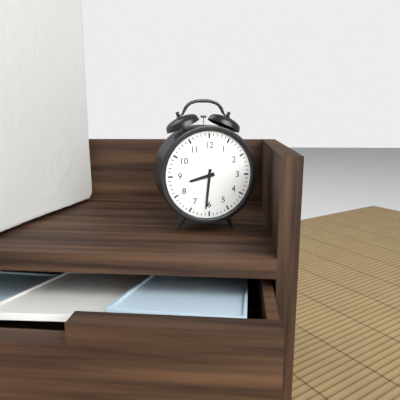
8:31
